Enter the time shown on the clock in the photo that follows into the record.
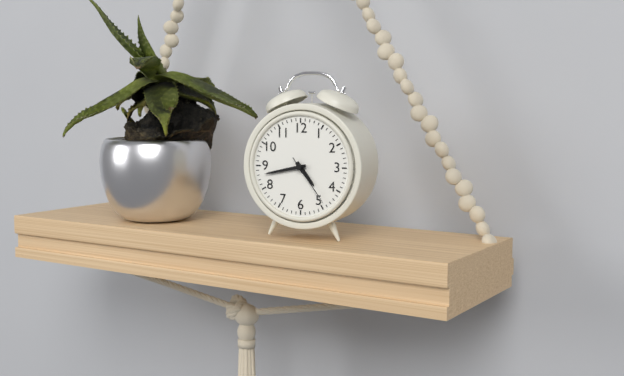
4:43:24
